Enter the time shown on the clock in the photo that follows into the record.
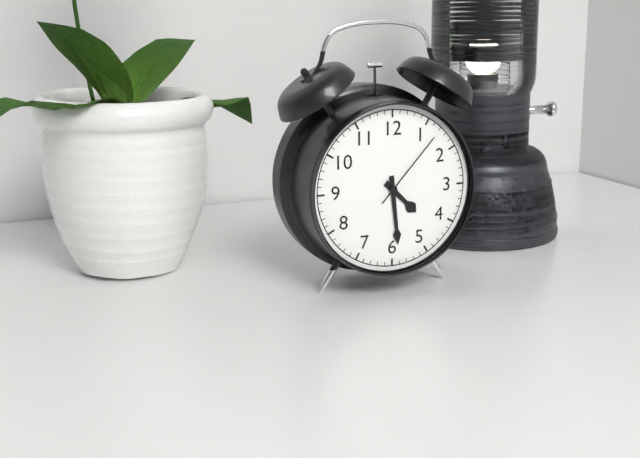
4:29:07
